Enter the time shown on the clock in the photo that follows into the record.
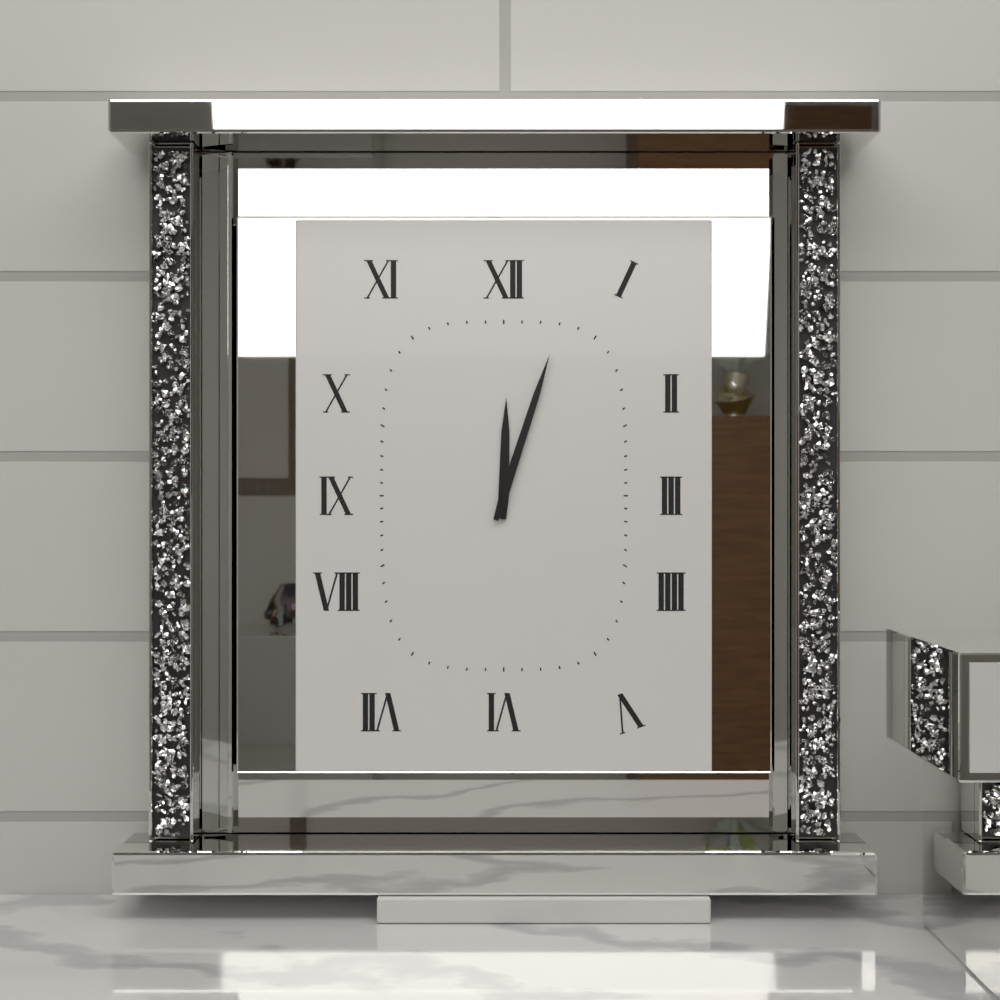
12:03
